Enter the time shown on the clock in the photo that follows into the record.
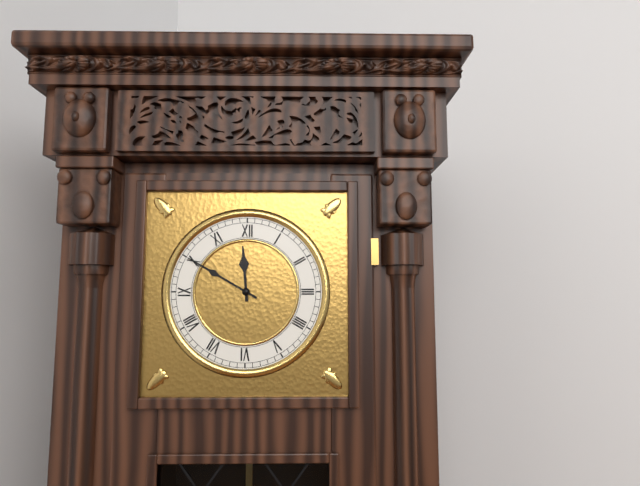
11:50
